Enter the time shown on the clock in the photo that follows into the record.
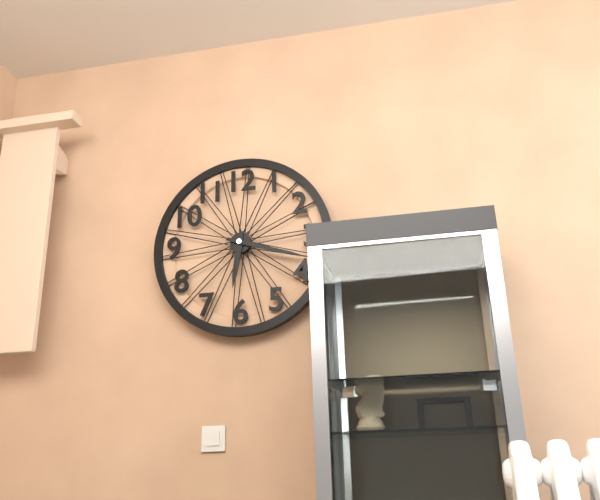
6:18
